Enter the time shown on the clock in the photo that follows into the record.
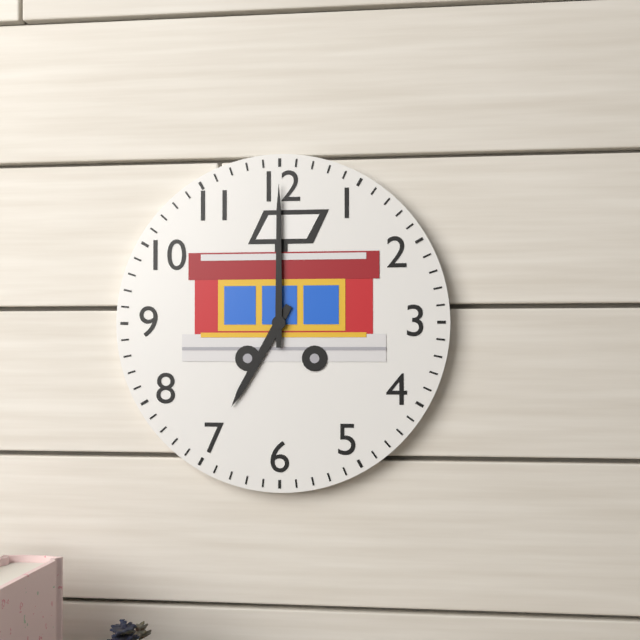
7:00
